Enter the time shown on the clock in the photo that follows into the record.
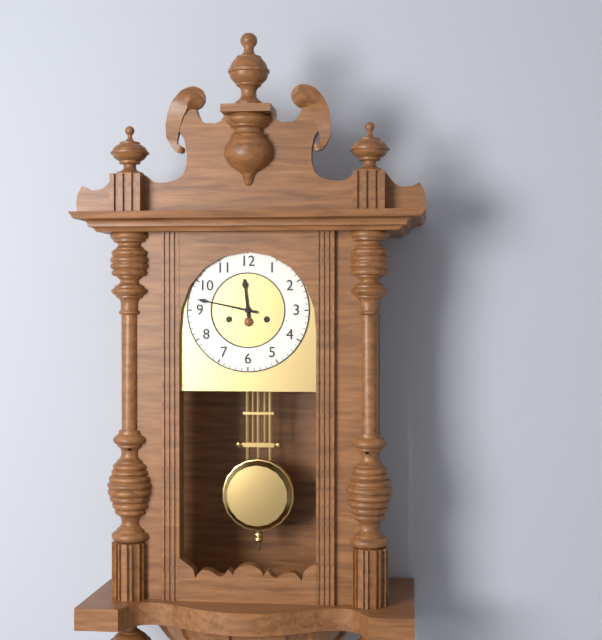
11:47
